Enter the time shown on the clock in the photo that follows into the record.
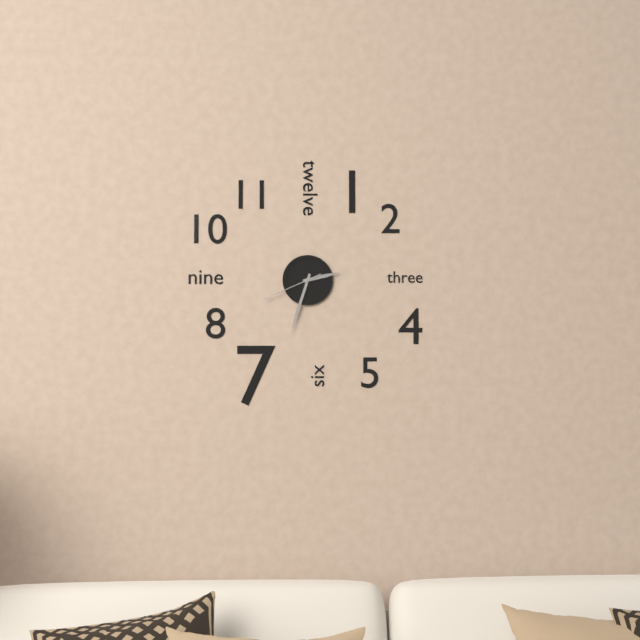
2:33:41
